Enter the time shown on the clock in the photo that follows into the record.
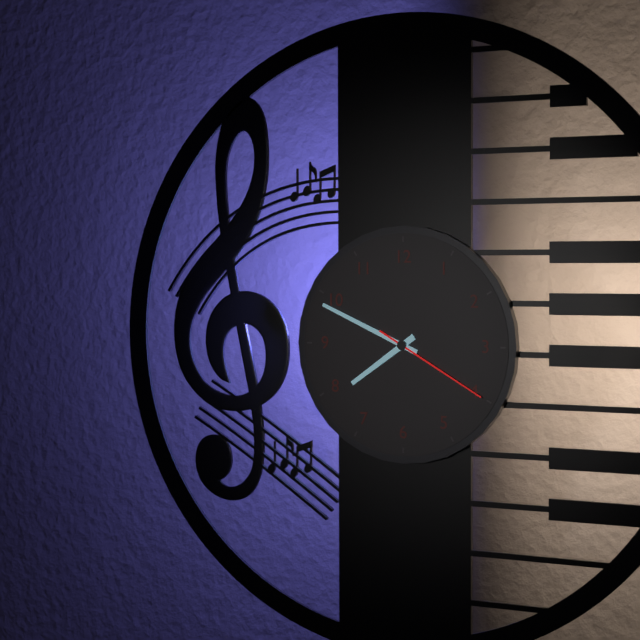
7:49:20
